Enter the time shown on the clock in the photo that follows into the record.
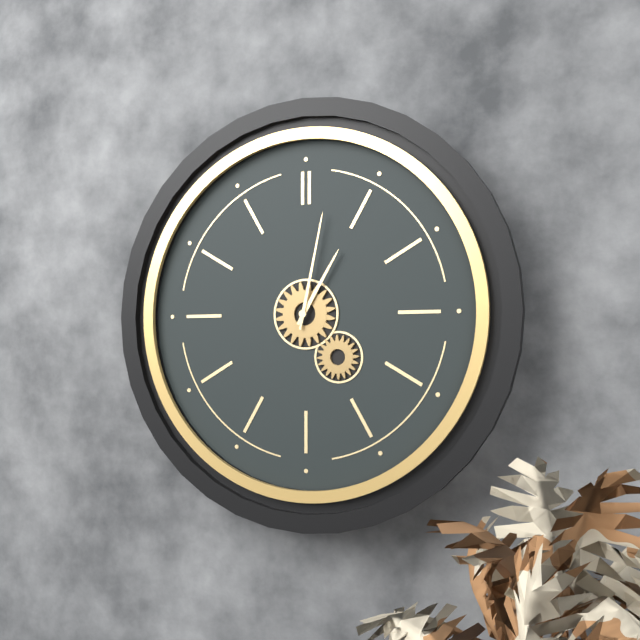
1:02
